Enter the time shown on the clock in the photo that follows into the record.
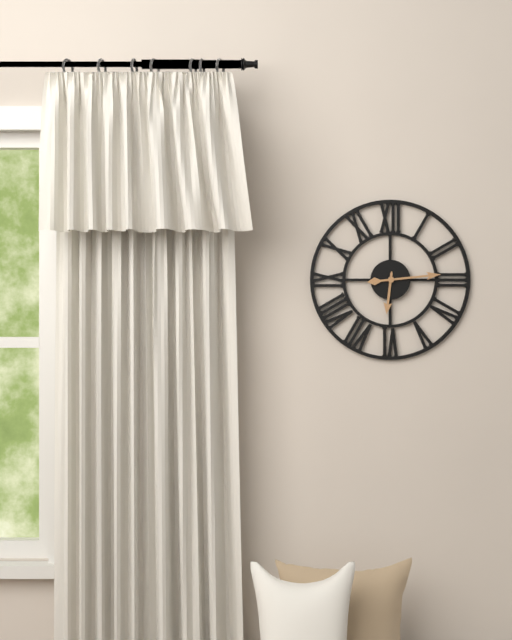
6:14
